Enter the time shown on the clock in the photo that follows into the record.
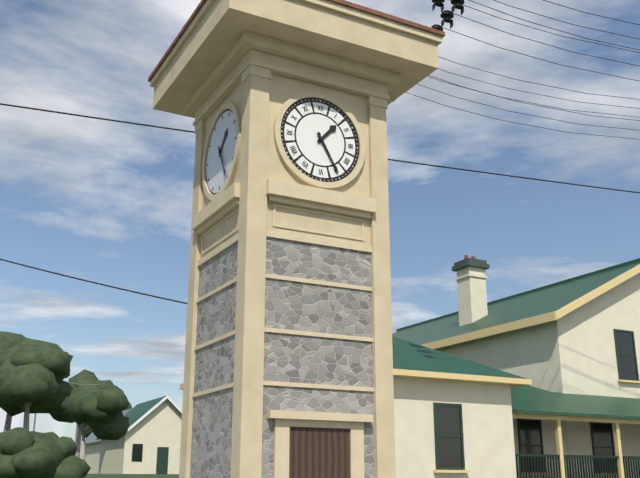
1:25
